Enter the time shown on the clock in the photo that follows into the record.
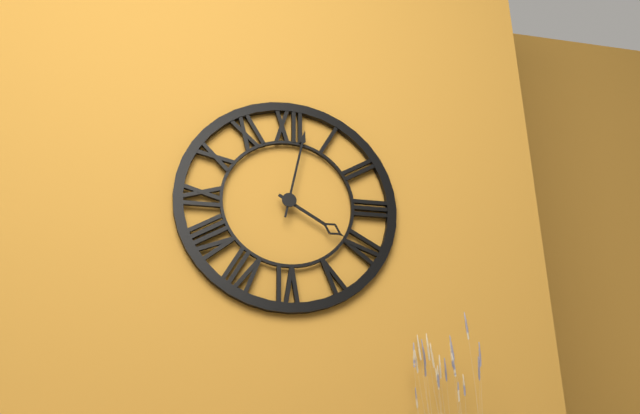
4:02
